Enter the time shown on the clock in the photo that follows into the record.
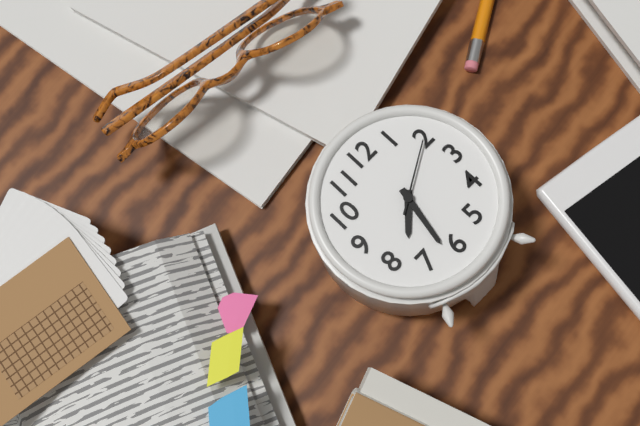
7:32:10
